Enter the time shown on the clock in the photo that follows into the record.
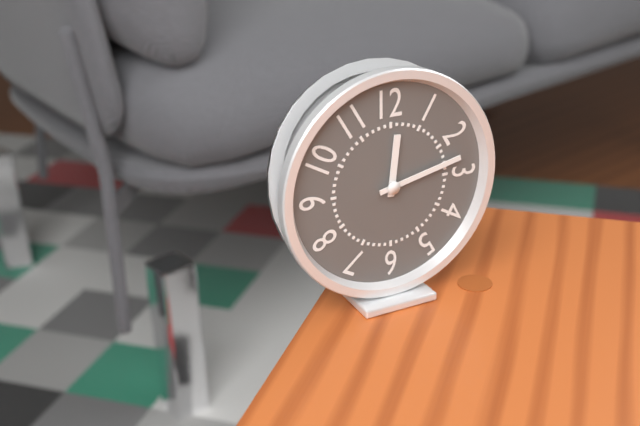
12:13
